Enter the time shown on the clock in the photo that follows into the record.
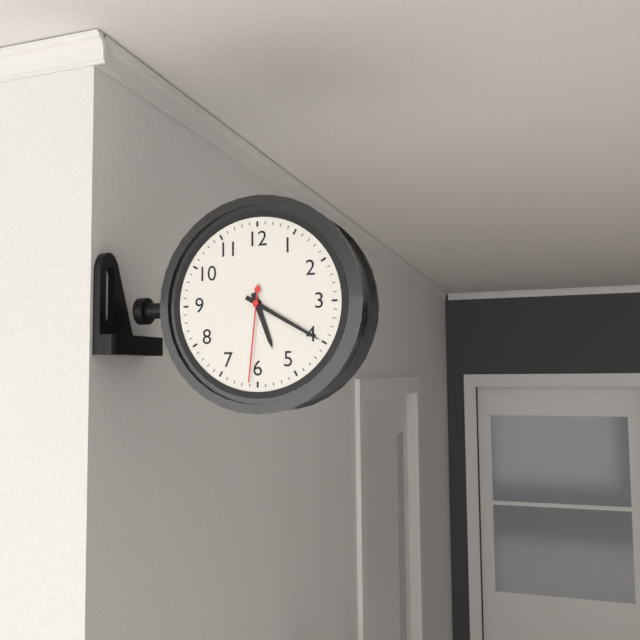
5:20:31
